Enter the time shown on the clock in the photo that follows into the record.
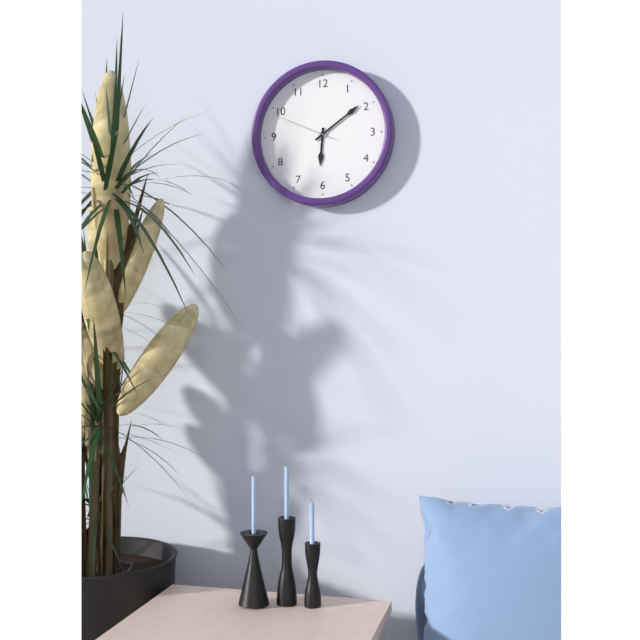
6:09:49
